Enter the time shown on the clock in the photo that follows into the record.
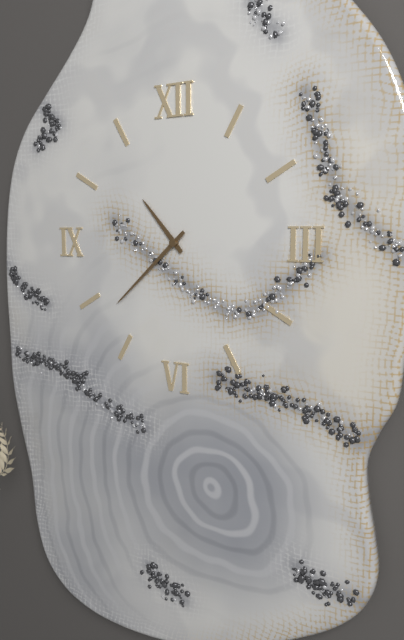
10:38
